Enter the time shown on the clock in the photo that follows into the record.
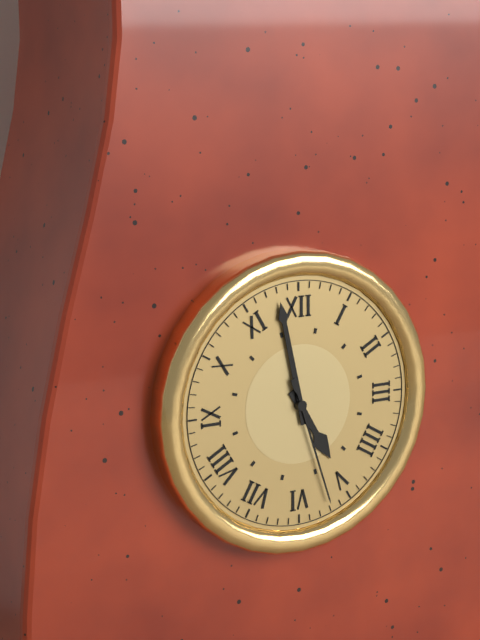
4:58:27
